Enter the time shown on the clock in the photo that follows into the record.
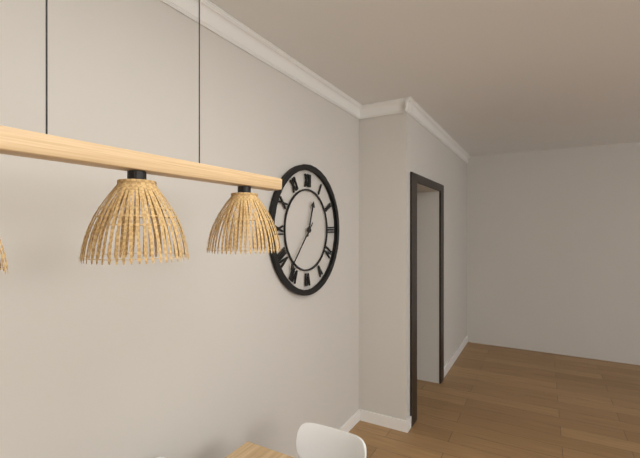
12:37
